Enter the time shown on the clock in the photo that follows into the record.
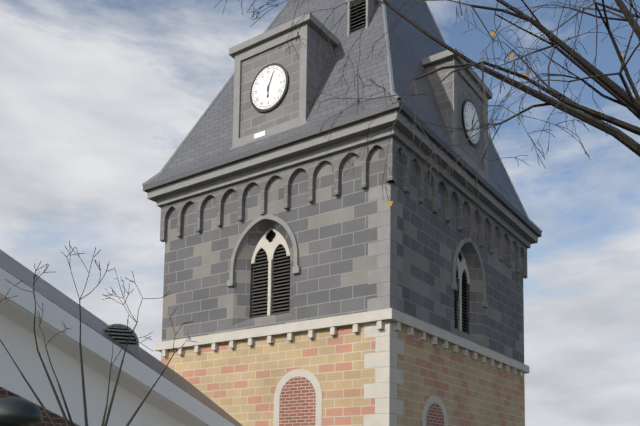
6:04
